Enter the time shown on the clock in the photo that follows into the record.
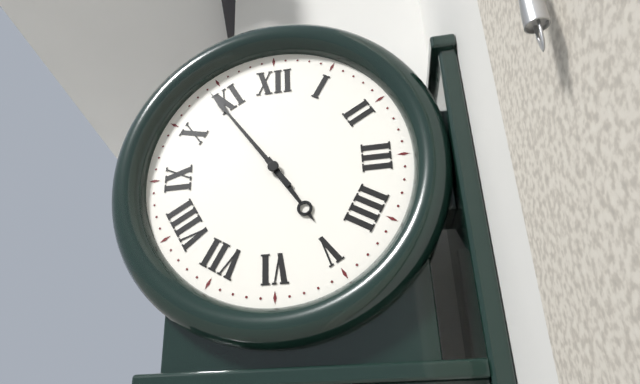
4:54
